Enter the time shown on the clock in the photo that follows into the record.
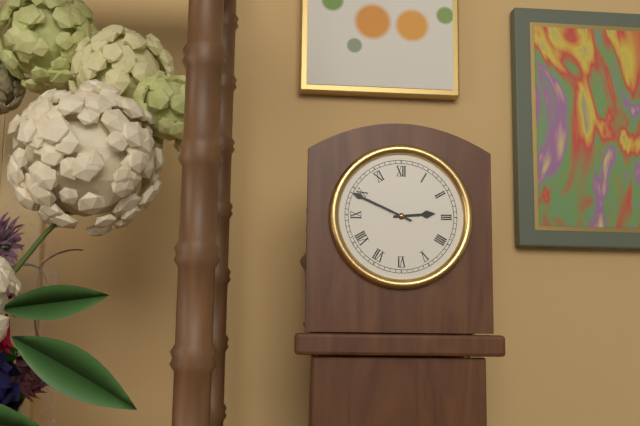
2:49
